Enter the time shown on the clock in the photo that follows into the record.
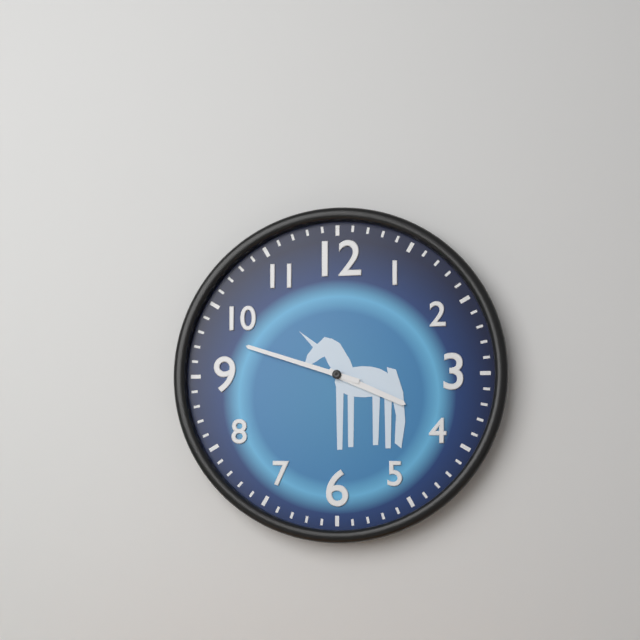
3:48
